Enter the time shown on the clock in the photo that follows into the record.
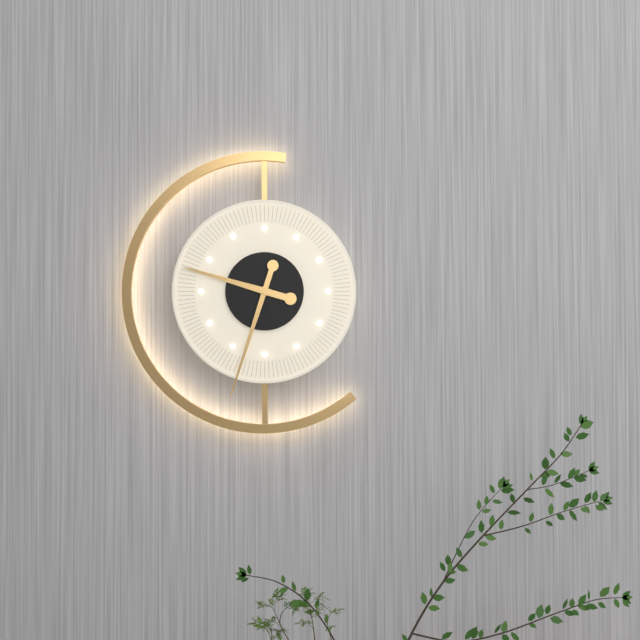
9:33
